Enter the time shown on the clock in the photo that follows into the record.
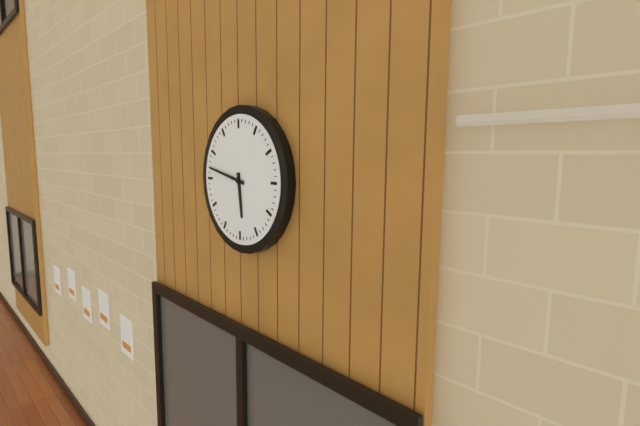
5:47
